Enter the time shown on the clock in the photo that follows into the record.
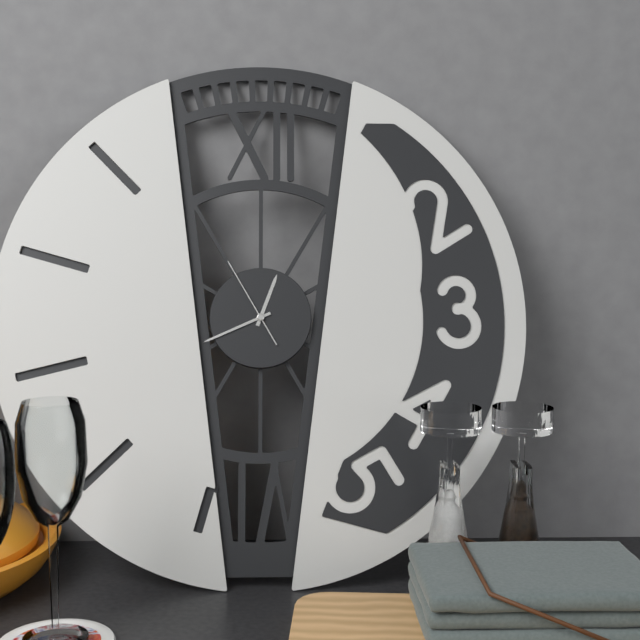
12:41:55
